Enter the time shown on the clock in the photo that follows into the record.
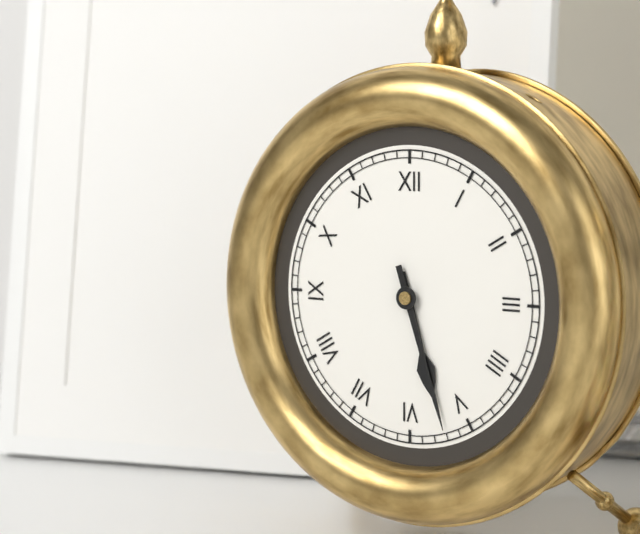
5:27
